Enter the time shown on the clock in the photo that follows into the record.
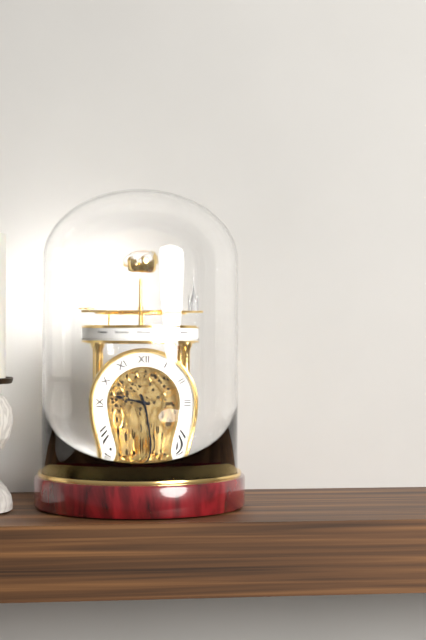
9:27
